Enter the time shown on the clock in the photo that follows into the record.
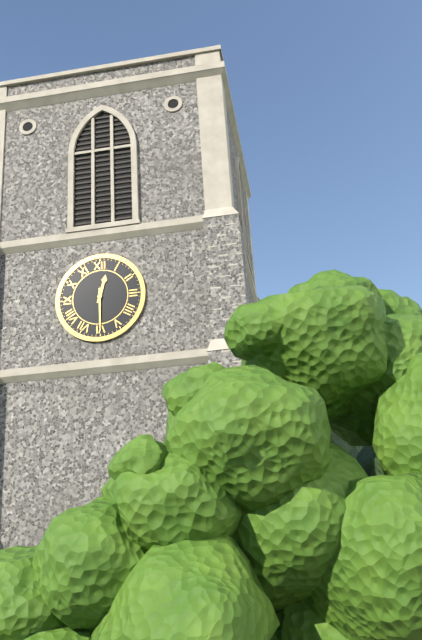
12:30
